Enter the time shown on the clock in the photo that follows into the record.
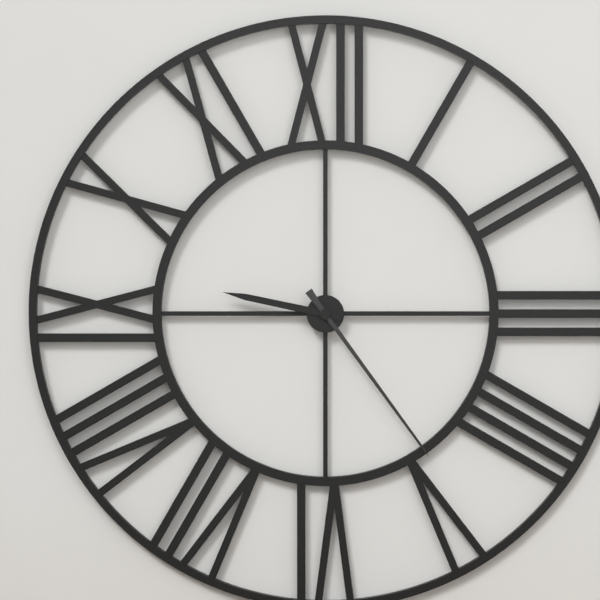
9:24
